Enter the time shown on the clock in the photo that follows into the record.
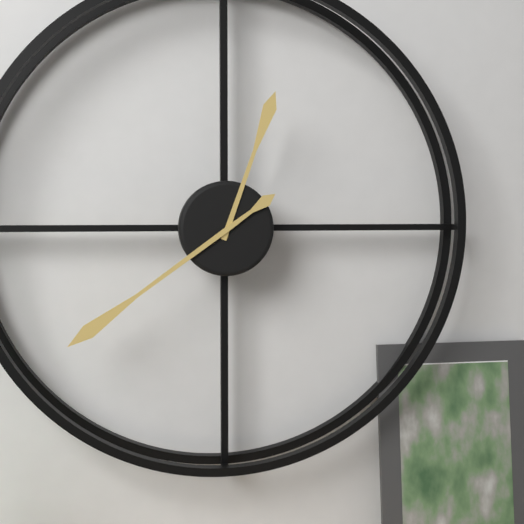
12:39
